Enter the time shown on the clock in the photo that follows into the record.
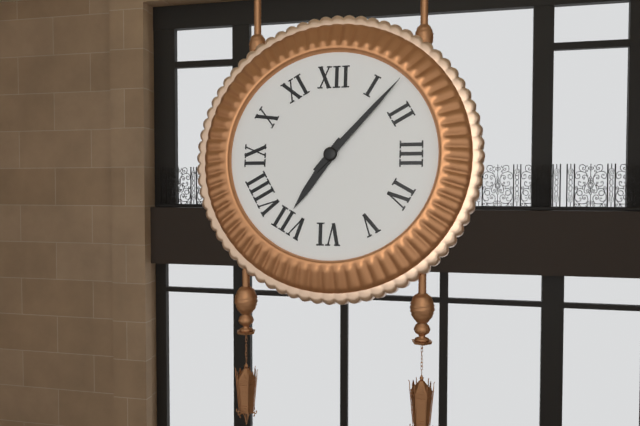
7:07
